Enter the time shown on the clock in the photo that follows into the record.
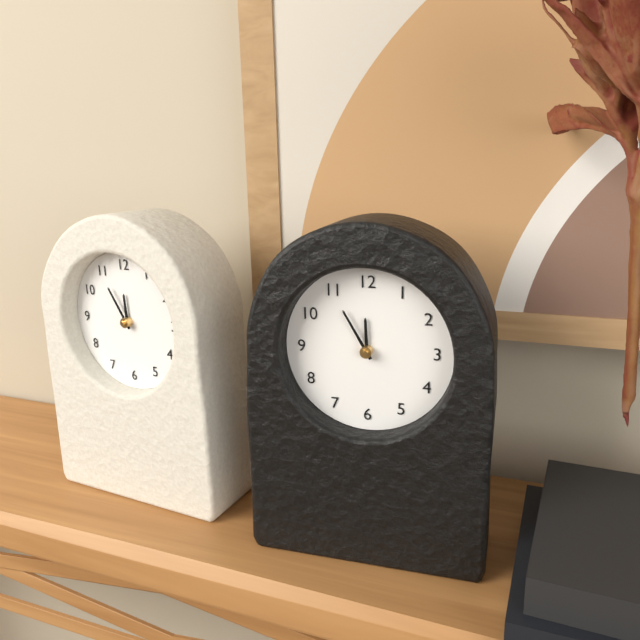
11:55
